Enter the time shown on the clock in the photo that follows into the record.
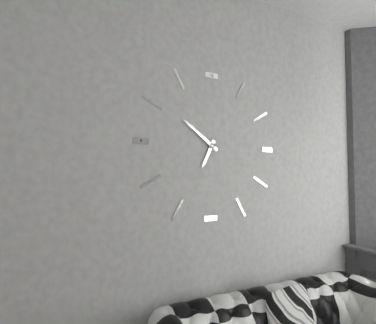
6:51
